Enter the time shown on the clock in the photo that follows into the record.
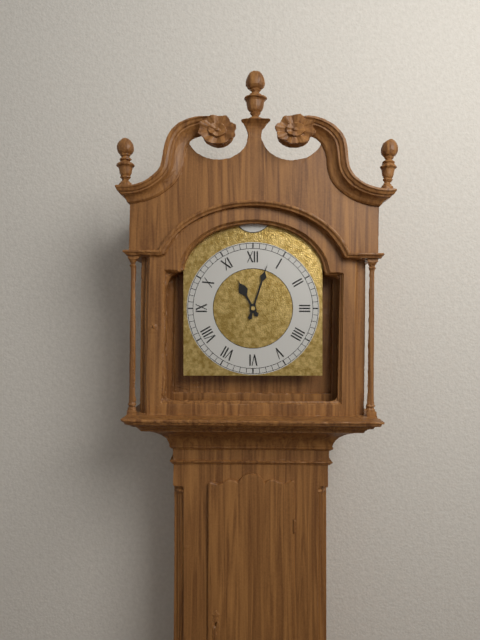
11:03
